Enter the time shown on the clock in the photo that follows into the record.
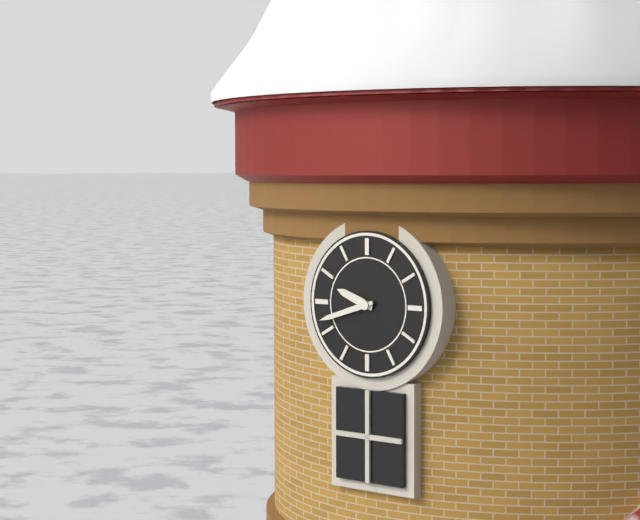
9:42
